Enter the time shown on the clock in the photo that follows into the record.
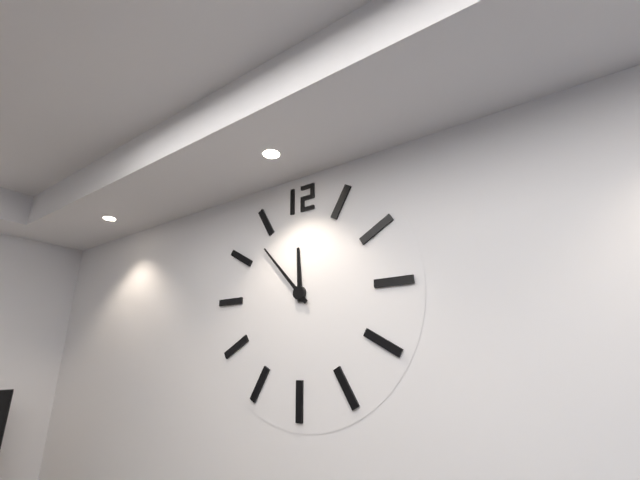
11:53
